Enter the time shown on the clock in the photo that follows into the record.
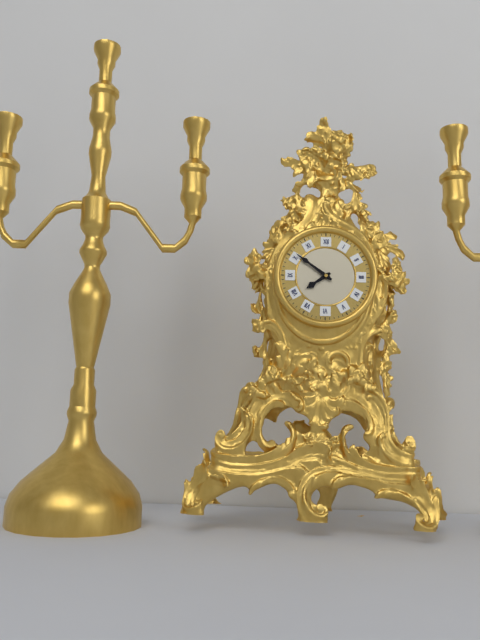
7:51
